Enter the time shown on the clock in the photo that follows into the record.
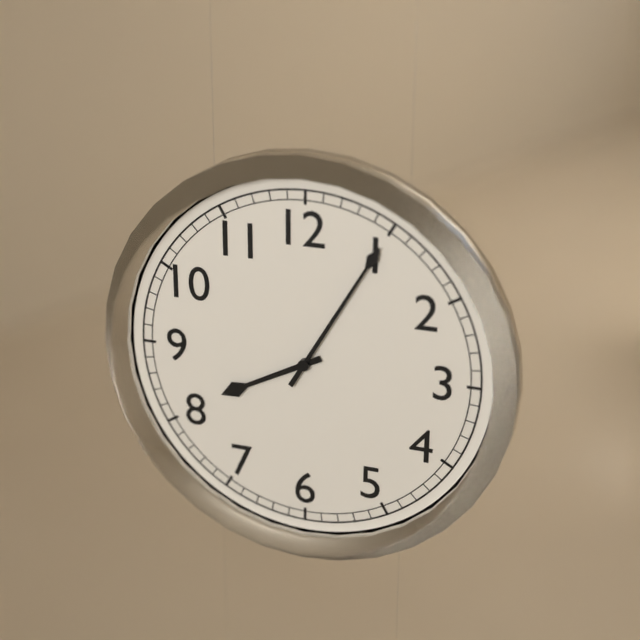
8:05
